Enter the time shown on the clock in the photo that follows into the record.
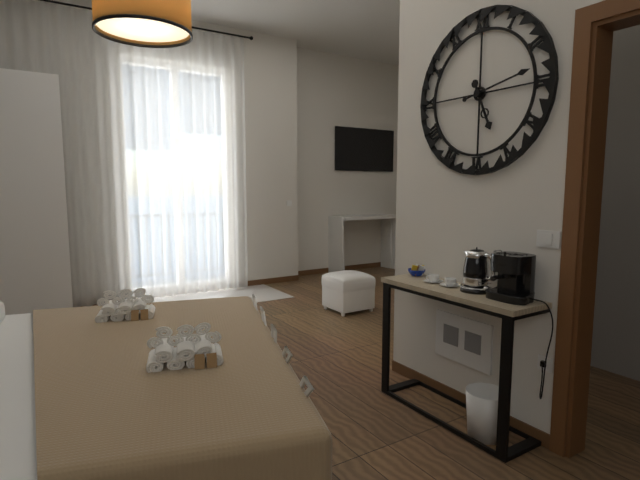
5:13
